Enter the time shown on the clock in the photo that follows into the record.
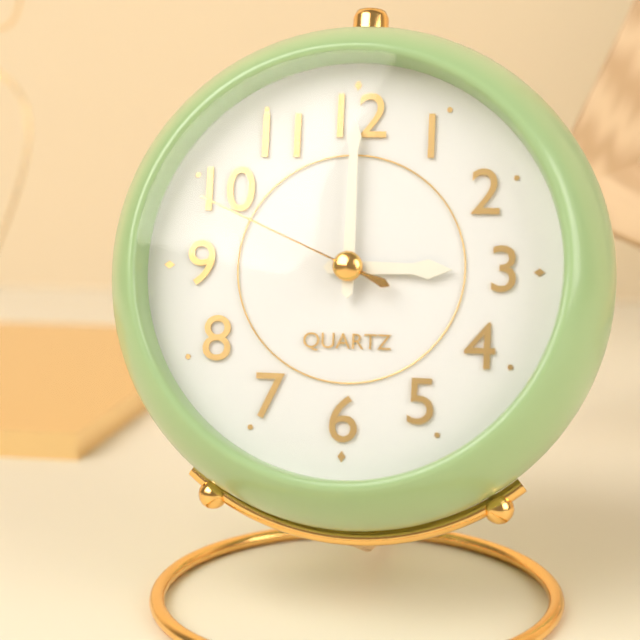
3:00:49
